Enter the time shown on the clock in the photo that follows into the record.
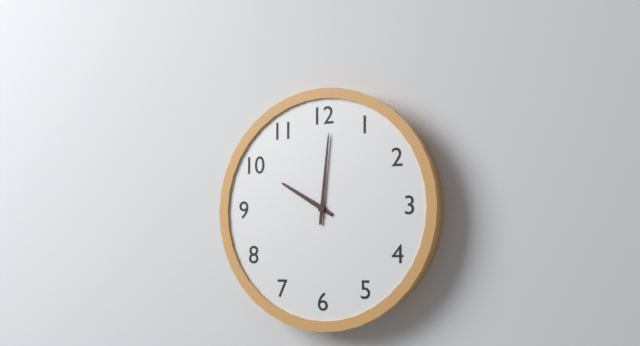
10:01
